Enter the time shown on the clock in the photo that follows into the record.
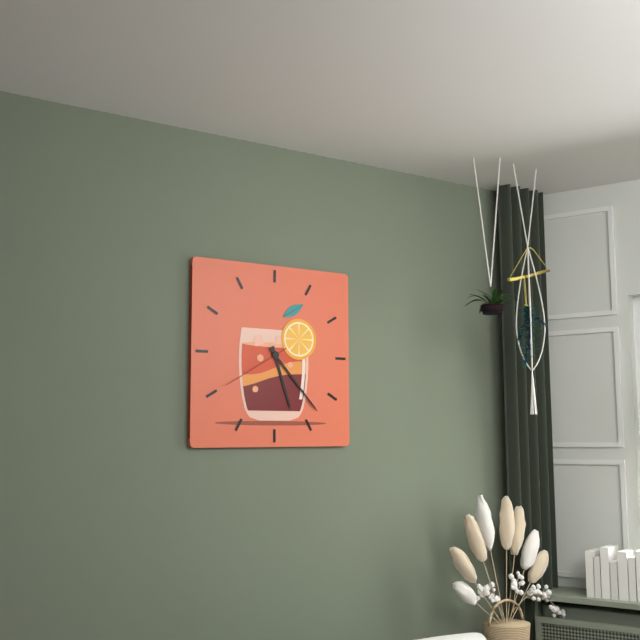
5:23:40
